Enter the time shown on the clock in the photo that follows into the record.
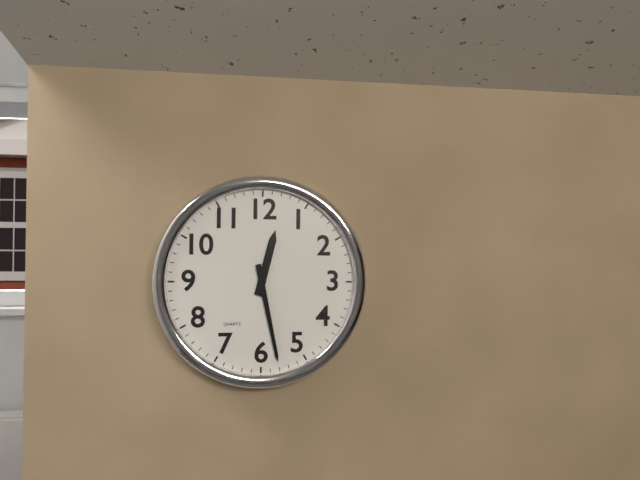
12:28
